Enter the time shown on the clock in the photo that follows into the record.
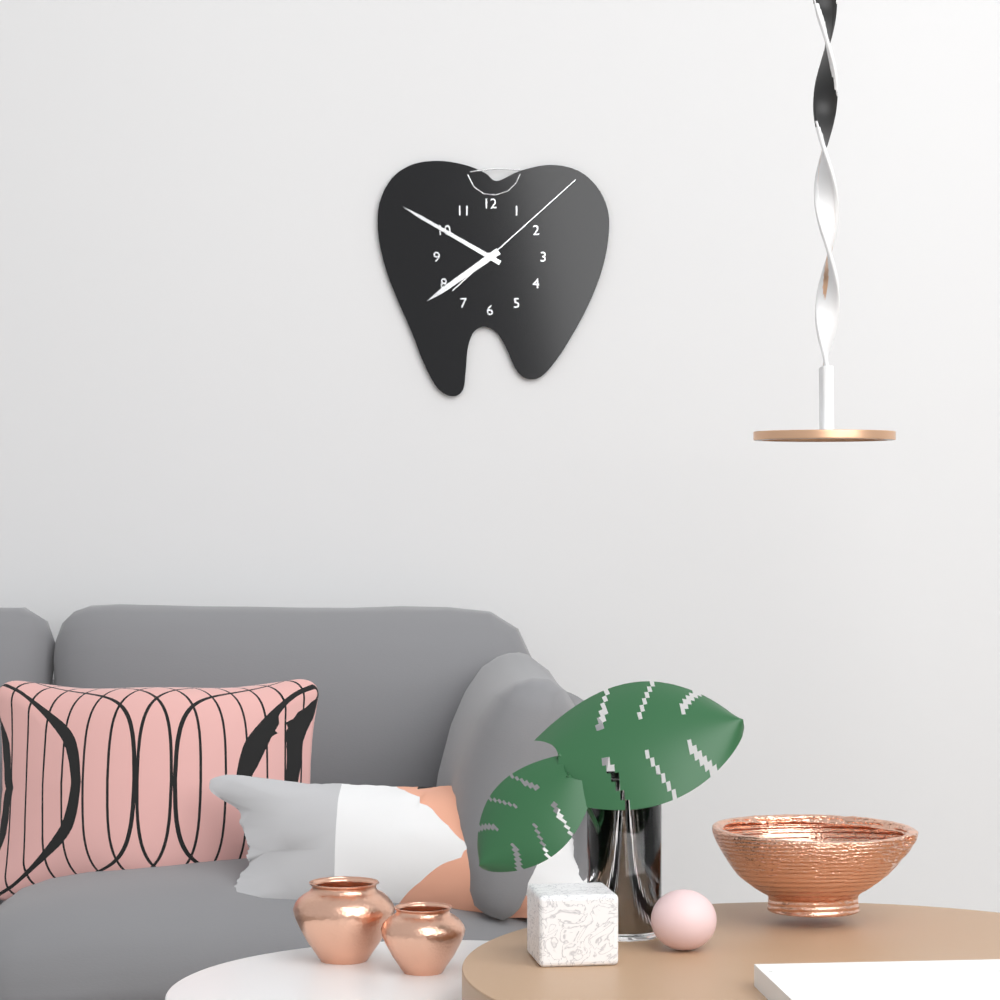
7:50:08
